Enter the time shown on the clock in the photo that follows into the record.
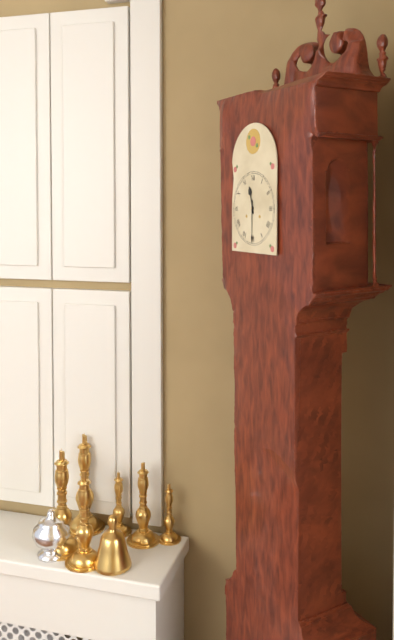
11:30
